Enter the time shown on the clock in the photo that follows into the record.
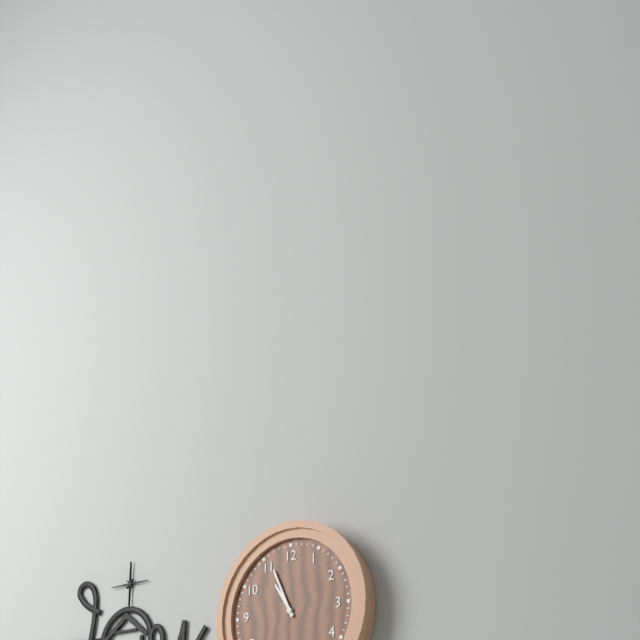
10:56
